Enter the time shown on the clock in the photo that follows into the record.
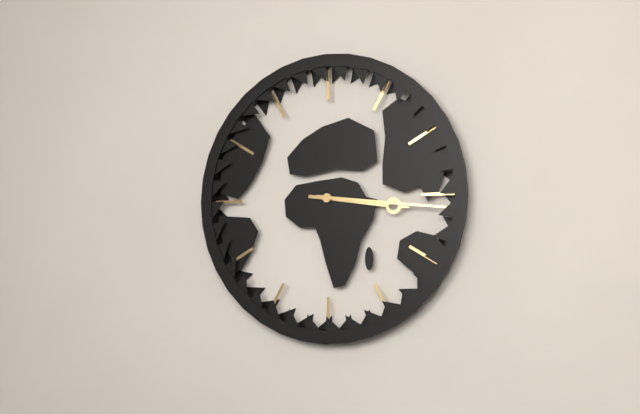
3:16
